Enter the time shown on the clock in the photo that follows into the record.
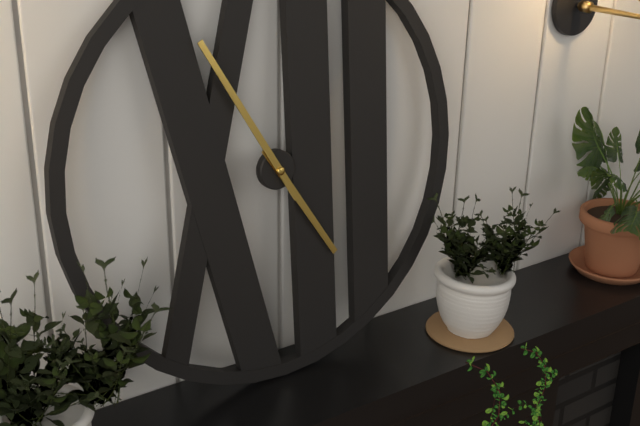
4:55
